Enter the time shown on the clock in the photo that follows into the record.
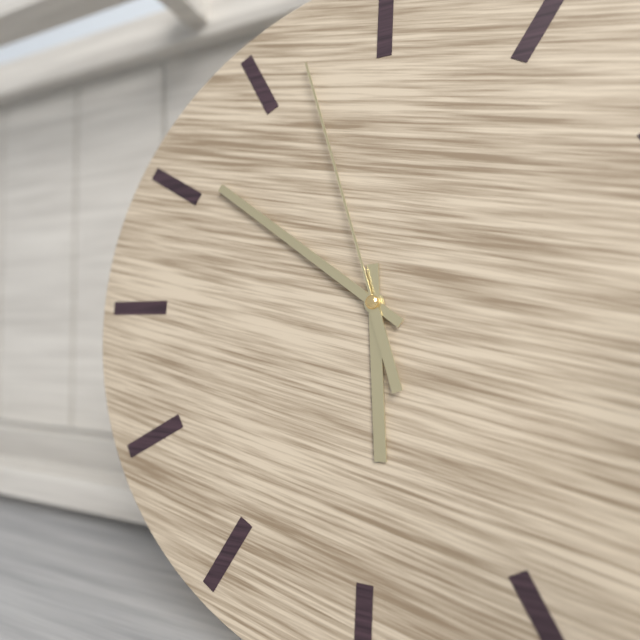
5:51:57
